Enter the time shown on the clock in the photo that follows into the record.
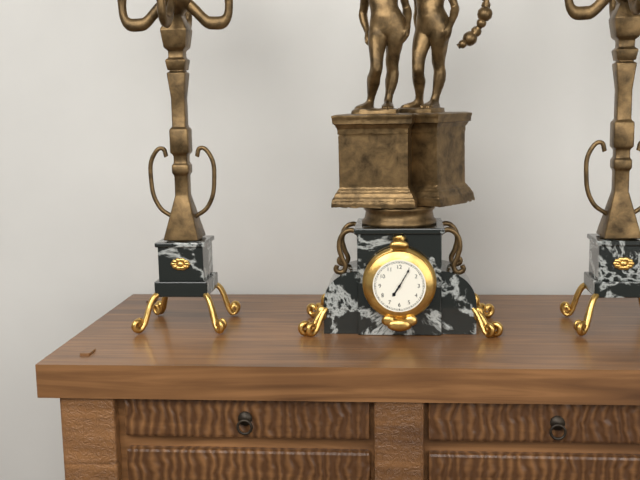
7:05
